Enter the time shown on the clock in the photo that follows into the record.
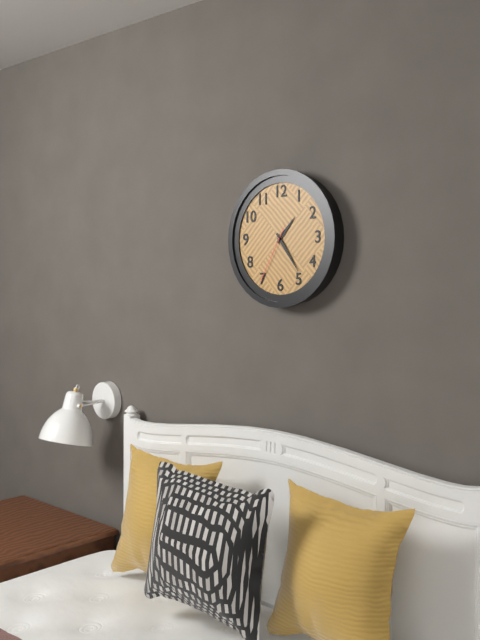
1:24:35
